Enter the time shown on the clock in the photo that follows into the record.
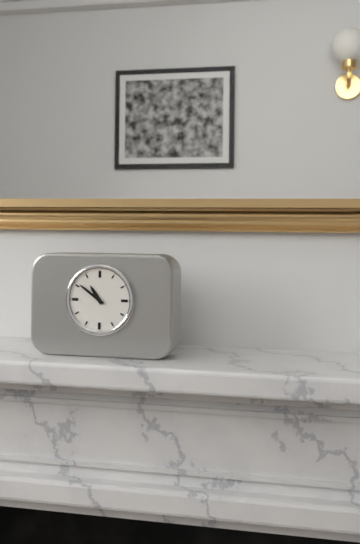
10:51
